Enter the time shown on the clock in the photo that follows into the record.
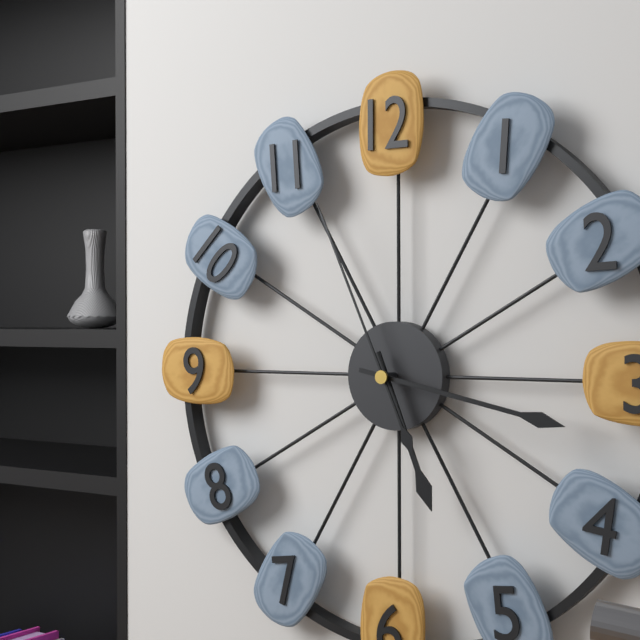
5:17:56
